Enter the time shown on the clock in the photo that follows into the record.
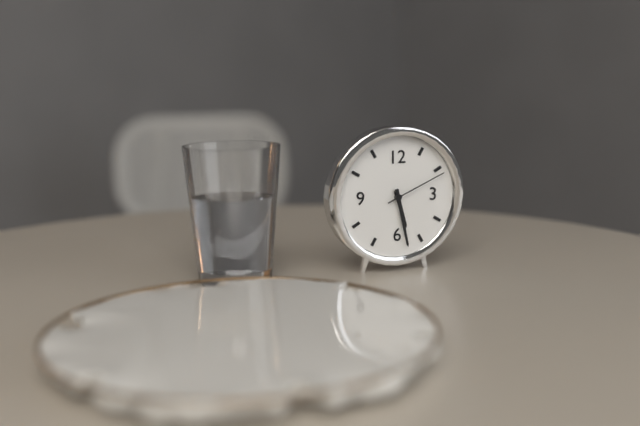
5:28:11
